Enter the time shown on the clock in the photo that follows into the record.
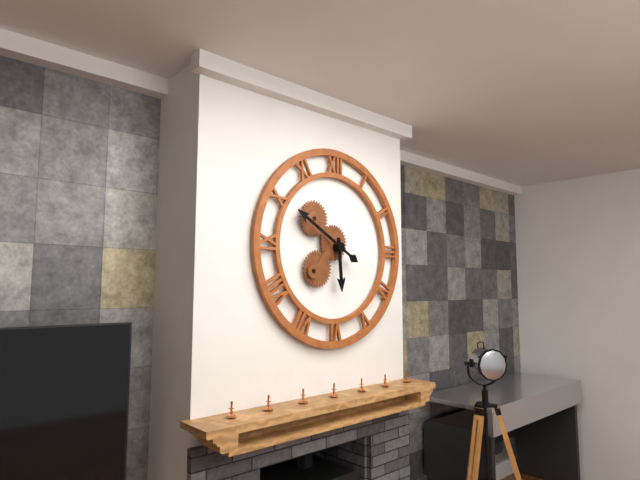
5:50
